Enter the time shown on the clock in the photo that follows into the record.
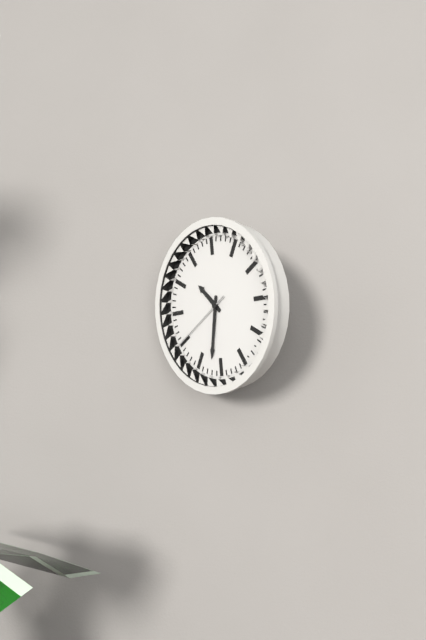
10:32:40
